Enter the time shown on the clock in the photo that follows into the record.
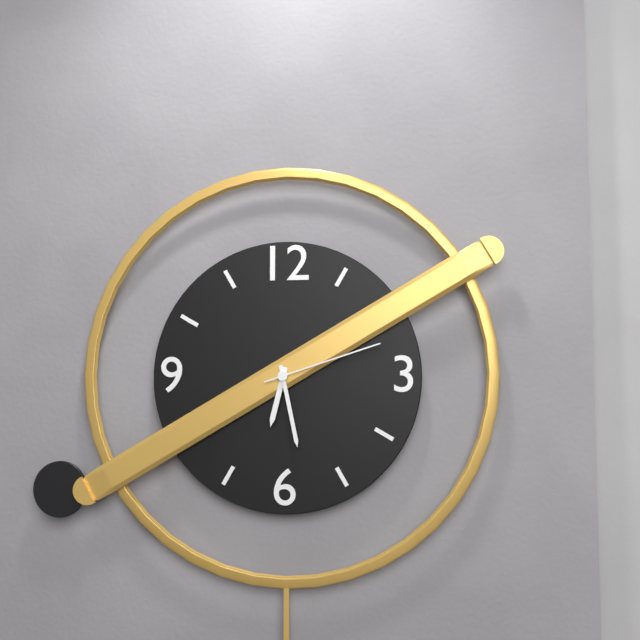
6:28:12
